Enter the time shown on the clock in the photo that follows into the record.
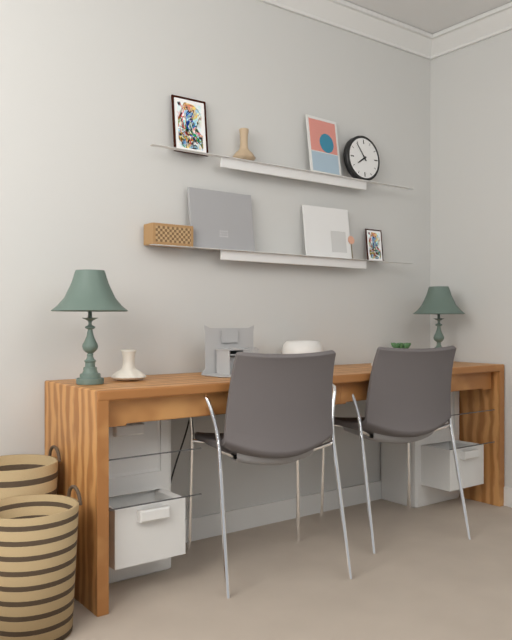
7:54
